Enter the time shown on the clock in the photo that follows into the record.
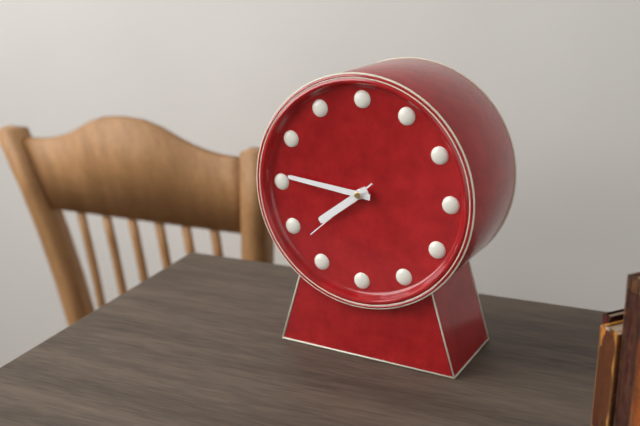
7:46:38
